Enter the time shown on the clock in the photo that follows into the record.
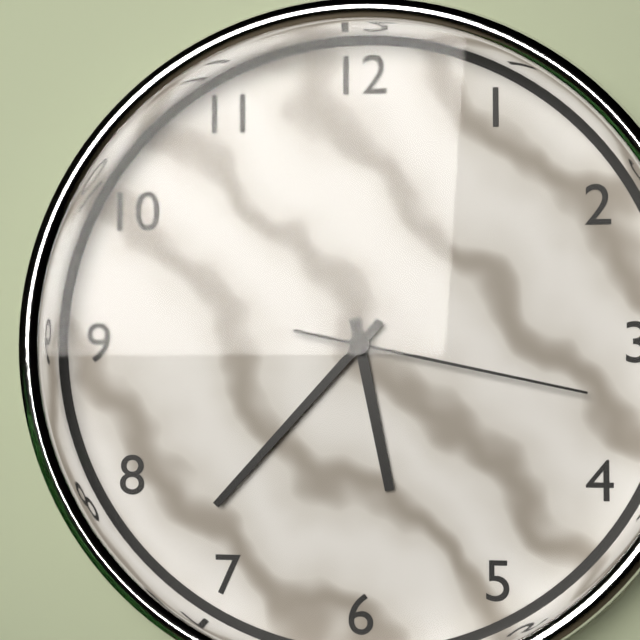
5:37:17
